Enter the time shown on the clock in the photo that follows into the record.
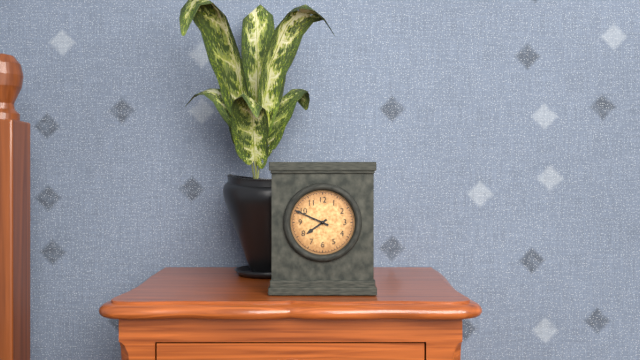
7:49
